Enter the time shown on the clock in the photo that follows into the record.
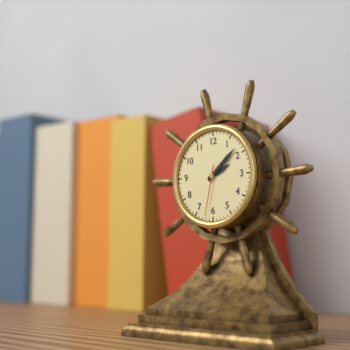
2:08:32
